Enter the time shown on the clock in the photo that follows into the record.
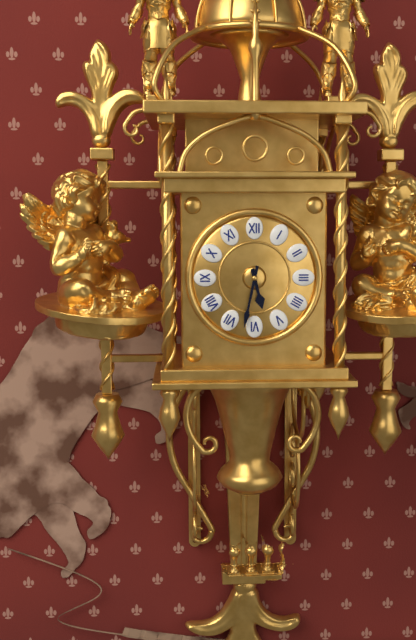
5:32
